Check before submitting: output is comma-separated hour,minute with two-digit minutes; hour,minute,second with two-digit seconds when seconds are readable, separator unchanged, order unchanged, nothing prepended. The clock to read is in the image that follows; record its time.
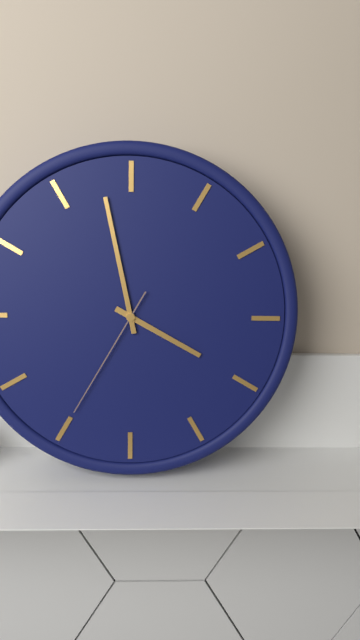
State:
3,58,35
